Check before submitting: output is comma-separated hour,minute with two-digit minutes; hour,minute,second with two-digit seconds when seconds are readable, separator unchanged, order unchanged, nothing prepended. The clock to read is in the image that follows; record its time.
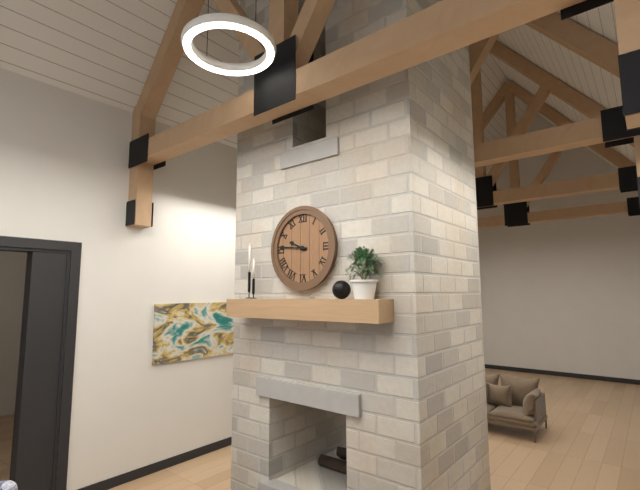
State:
9,46
